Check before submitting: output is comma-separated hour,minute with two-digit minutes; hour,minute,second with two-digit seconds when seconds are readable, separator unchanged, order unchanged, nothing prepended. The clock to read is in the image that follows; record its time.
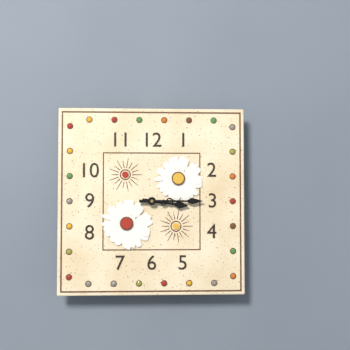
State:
3,15
